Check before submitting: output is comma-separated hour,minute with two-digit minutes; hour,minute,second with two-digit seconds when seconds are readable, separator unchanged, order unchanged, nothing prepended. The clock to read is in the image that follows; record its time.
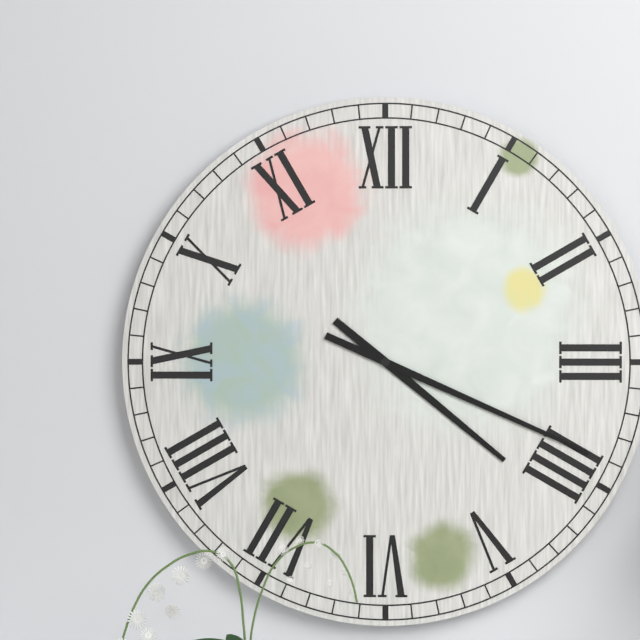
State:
4,19
